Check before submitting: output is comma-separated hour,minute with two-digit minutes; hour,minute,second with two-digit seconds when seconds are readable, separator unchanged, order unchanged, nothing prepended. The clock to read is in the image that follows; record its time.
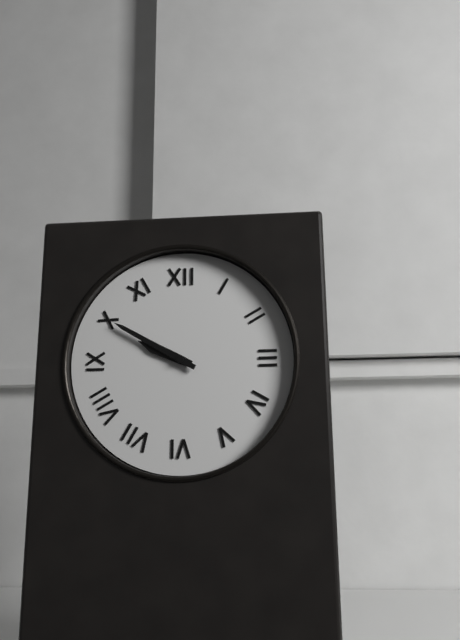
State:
9,50
